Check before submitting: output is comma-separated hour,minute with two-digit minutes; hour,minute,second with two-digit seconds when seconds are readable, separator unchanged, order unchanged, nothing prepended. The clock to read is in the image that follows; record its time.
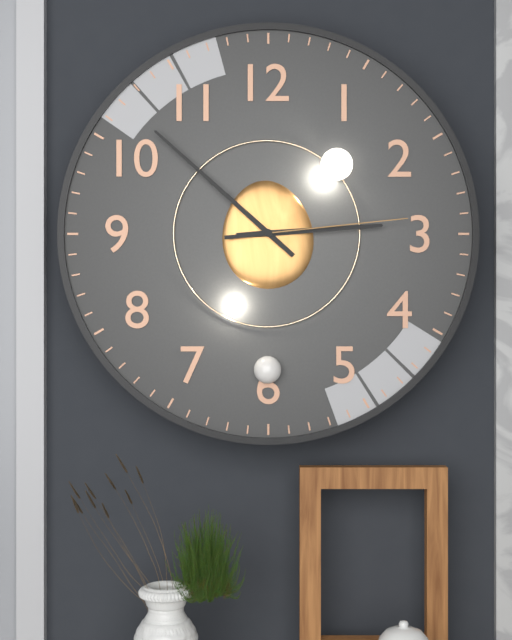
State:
2,52,14
